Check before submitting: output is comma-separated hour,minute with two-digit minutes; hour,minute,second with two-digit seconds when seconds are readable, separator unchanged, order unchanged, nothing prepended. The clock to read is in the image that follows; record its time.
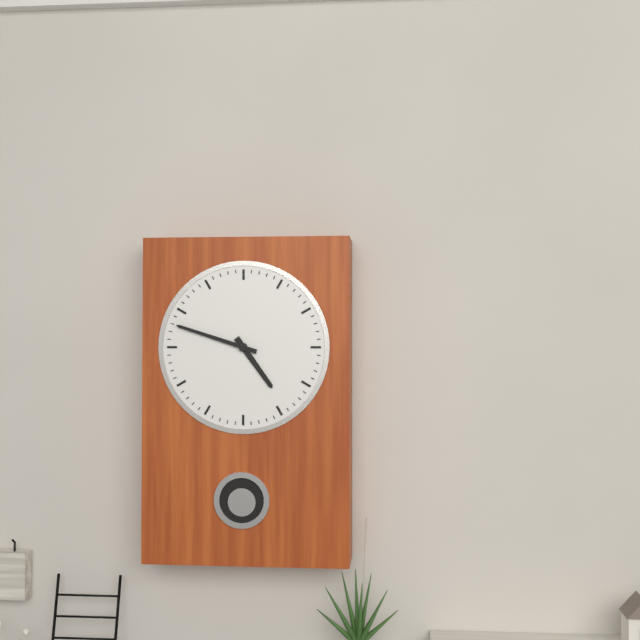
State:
4,48
